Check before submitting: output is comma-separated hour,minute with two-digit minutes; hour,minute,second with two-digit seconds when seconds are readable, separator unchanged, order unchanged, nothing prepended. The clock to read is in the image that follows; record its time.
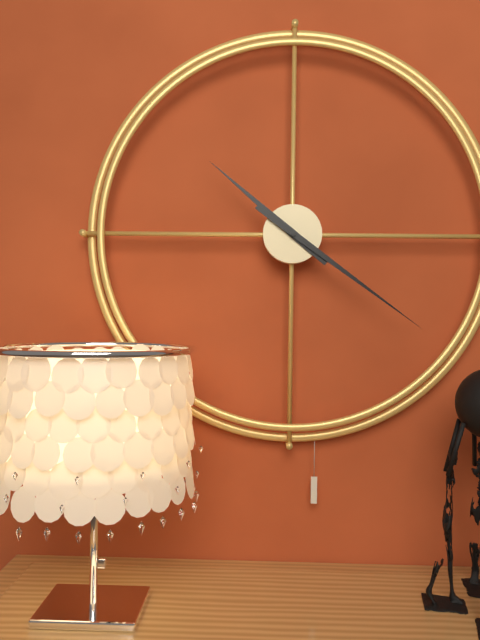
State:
10,21
